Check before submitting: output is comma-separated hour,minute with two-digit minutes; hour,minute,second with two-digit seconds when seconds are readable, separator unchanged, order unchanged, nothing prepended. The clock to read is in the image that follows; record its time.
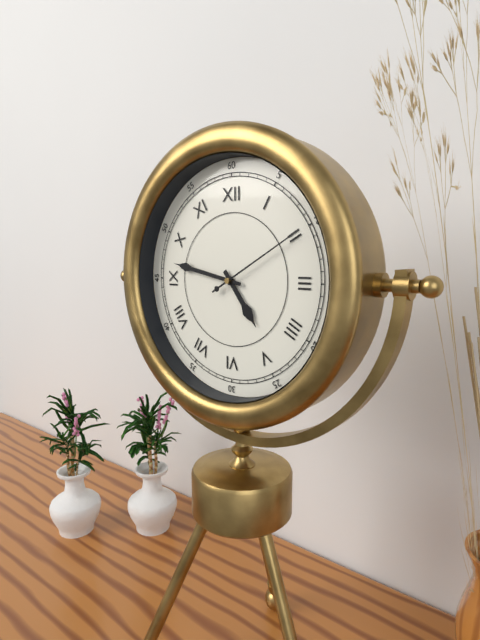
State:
4,47,10
